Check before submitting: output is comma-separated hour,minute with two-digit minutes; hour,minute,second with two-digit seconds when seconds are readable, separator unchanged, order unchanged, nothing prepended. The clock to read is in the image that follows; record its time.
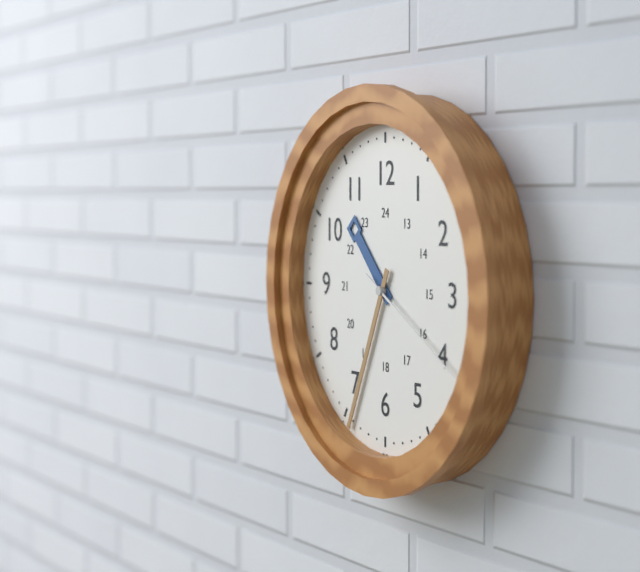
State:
10,34,20
